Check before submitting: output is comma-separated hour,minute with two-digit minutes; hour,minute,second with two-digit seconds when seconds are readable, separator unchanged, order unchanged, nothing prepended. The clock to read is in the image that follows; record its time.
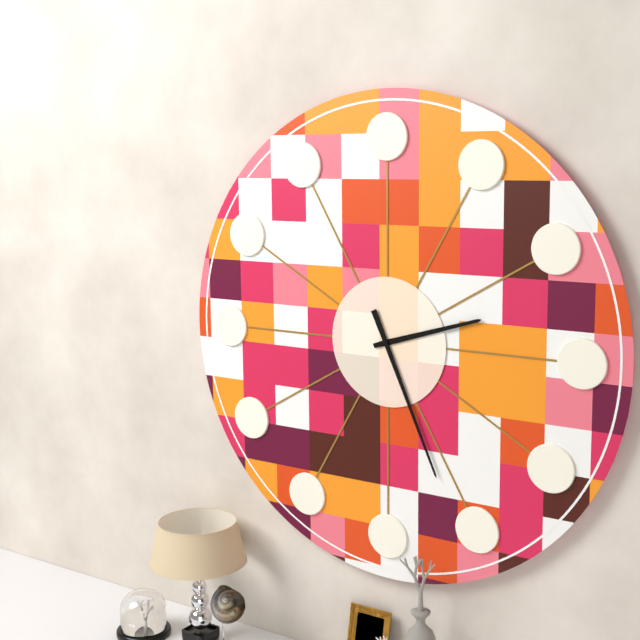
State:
2,26
